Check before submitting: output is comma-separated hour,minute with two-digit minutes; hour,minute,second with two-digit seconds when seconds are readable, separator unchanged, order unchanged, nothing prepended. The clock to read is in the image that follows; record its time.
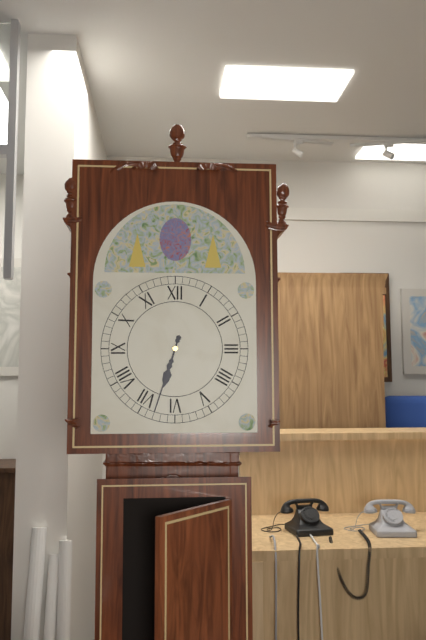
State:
6,33
